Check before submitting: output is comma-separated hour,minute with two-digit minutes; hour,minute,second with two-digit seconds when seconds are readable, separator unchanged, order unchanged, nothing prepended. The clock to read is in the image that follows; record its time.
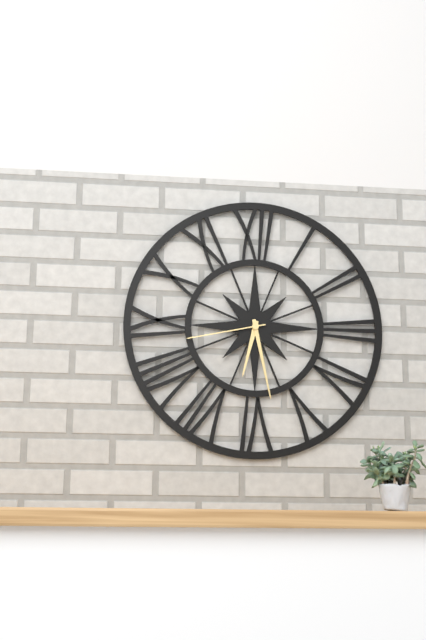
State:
6,28,43
